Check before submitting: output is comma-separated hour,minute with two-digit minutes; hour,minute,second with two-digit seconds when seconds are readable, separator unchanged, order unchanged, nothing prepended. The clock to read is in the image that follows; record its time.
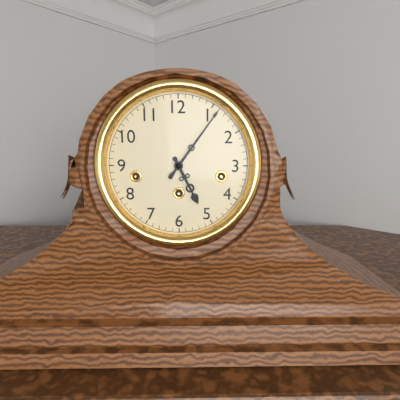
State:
5,06
